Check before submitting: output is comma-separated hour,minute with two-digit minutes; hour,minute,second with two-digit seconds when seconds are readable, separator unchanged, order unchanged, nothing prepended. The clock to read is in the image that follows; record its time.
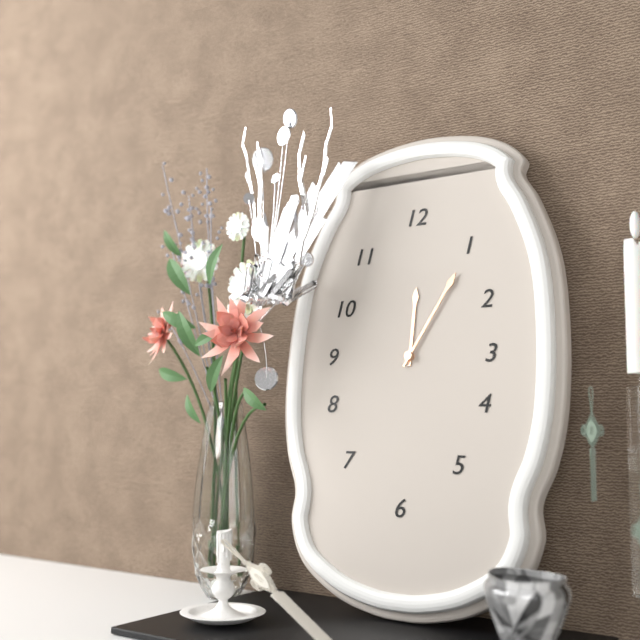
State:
12,05
